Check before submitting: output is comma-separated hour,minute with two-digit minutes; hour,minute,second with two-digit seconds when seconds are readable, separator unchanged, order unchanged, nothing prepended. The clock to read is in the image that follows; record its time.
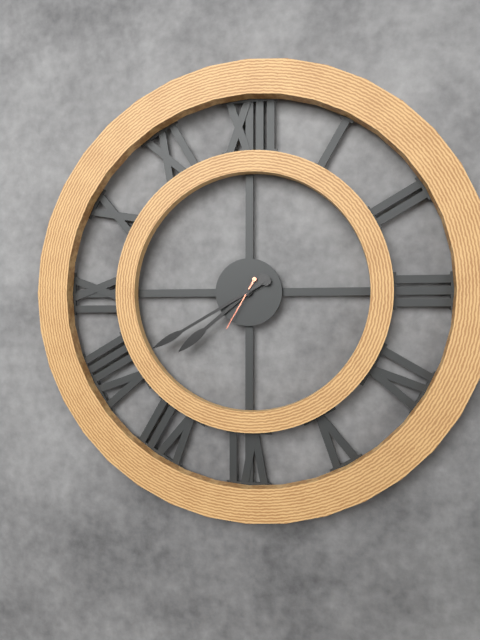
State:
7,40,35
